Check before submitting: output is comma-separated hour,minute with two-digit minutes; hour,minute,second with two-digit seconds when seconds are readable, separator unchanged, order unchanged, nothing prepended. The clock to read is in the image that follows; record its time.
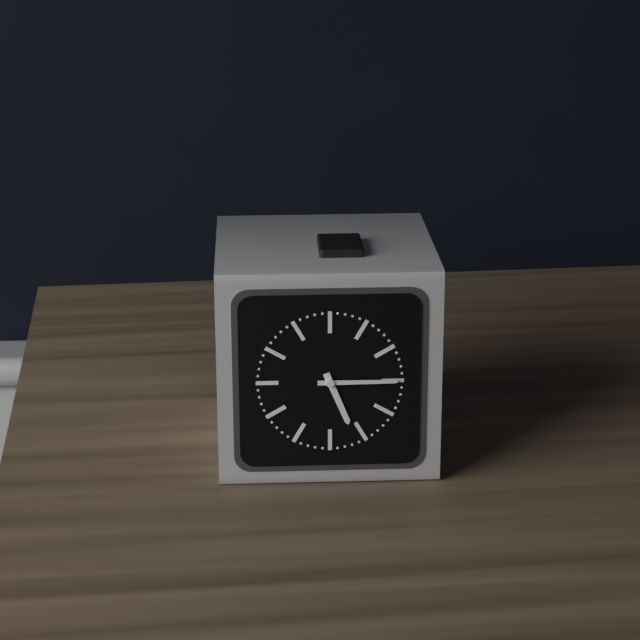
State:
5,15
